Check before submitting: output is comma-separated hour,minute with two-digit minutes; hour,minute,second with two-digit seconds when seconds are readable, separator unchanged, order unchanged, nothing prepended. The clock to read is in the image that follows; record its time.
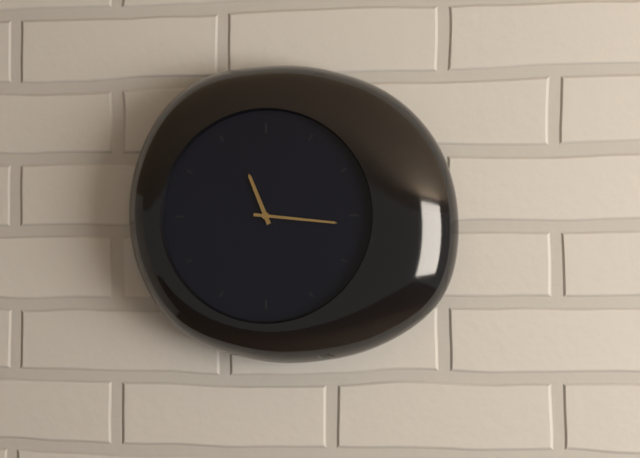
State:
11,16
